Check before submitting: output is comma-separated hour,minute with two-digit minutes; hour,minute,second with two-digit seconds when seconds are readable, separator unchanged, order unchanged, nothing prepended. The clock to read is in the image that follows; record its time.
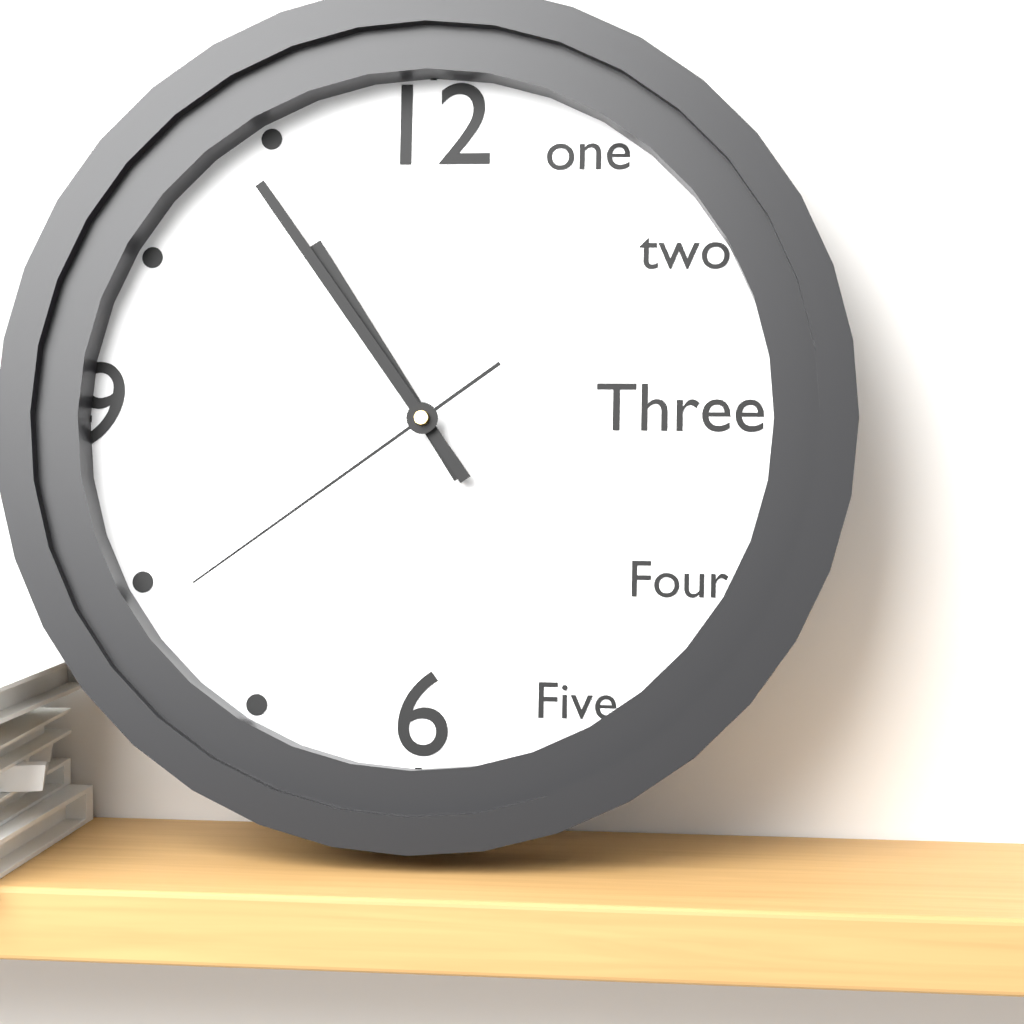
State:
10,54,39
